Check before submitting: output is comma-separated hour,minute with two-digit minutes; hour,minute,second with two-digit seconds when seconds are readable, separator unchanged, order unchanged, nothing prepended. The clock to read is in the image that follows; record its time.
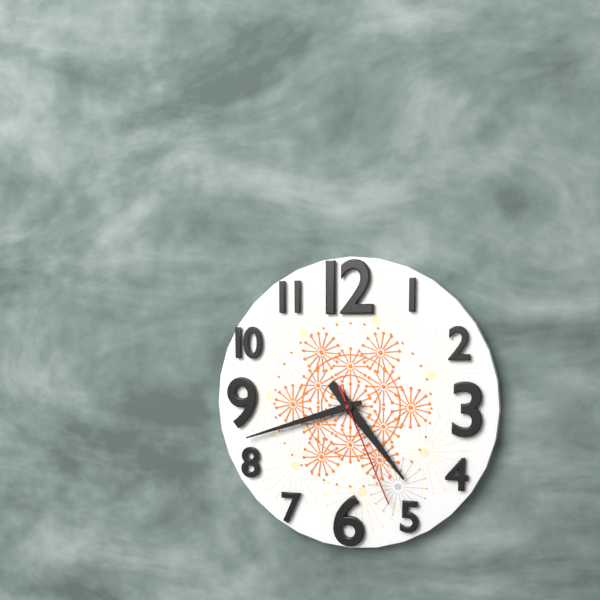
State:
4,42,26
